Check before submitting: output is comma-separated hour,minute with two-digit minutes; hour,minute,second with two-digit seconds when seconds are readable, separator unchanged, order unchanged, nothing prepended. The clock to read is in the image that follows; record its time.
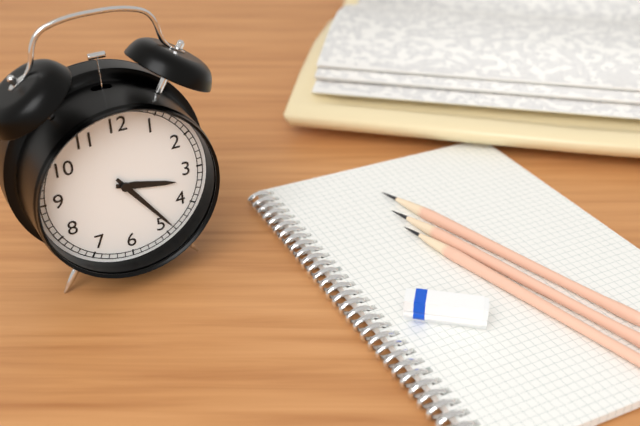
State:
3,24
